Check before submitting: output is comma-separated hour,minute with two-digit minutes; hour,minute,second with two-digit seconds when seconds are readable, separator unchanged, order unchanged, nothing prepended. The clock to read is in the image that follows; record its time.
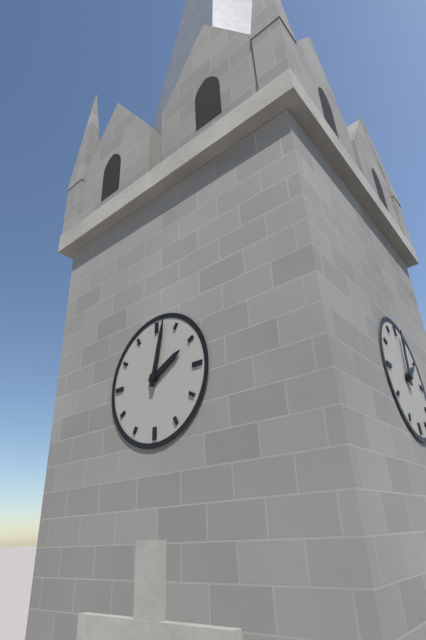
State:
2,02
